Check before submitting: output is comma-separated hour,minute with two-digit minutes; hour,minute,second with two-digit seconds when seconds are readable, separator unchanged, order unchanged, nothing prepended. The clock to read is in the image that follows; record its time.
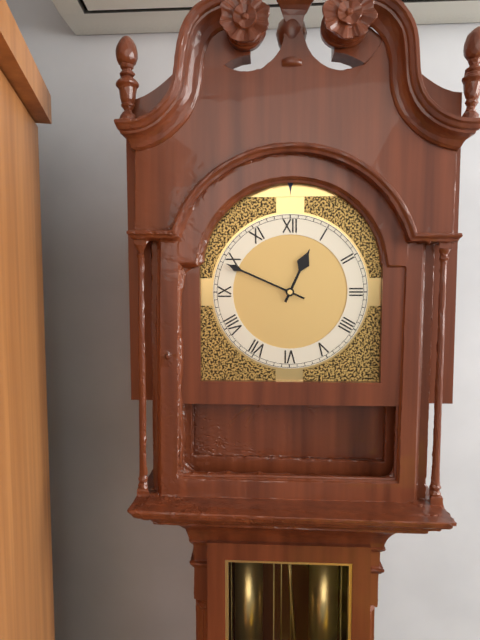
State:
12,49
